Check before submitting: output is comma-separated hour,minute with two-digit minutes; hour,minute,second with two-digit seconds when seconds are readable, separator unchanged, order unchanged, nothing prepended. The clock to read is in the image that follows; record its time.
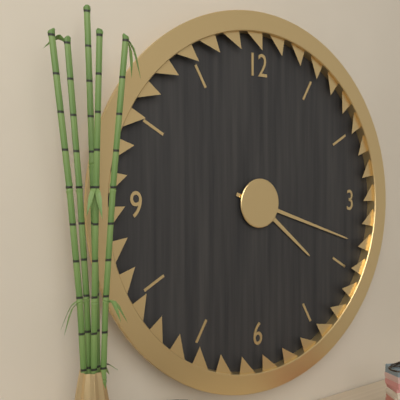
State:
4,18
